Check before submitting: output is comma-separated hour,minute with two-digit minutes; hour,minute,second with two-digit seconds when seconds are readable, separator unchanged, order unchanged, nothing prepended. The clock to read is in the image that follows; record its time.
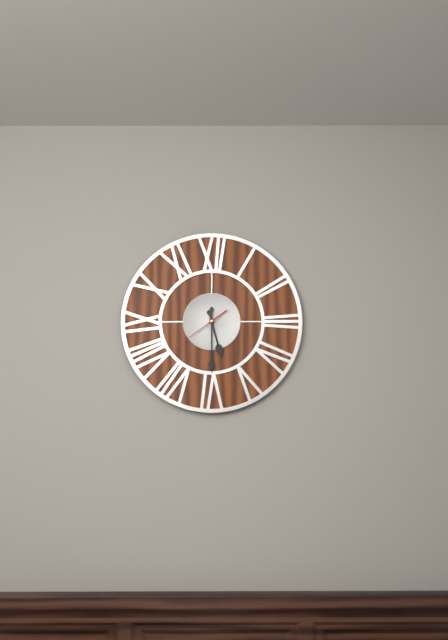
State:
5,30,39
